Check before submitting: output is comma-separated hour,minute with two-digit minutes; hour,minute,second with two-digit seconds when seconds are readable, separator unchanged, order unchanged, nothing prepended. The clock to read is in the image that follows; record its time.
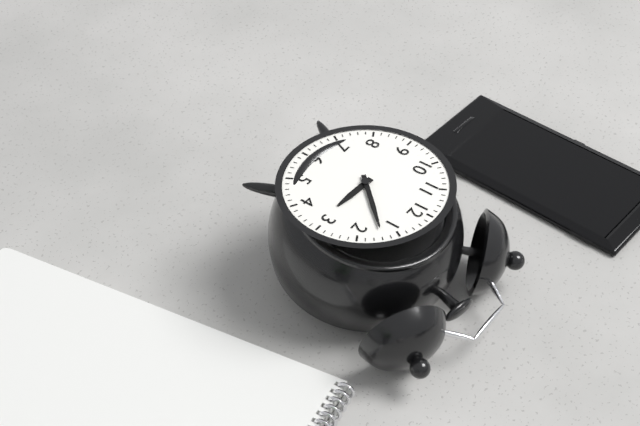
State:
3,07
